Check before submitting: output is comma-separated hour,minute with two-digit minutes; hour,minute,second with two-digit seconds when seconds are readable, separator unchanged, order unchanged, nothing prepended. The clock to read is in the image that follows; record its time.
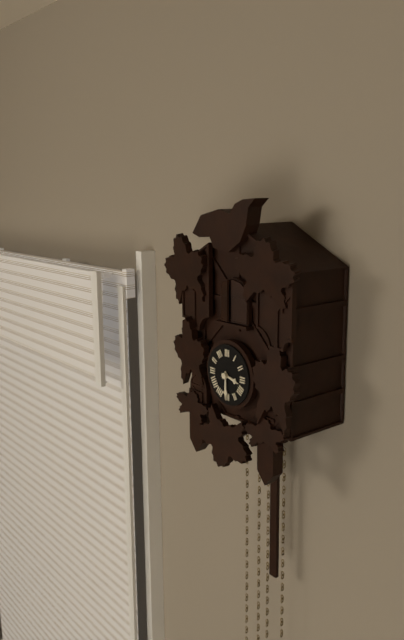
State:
3,30
